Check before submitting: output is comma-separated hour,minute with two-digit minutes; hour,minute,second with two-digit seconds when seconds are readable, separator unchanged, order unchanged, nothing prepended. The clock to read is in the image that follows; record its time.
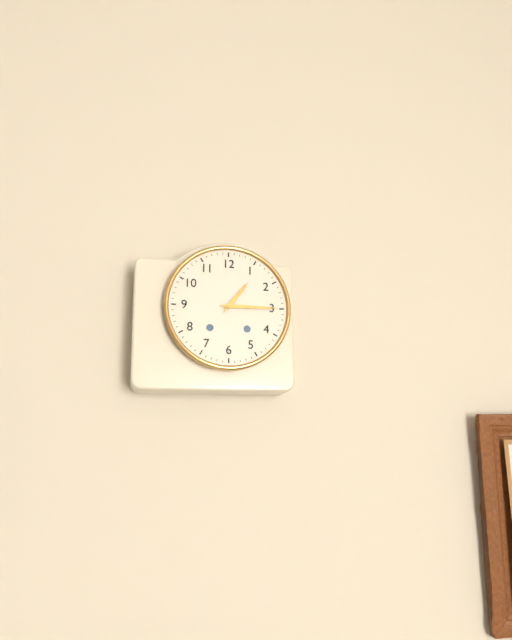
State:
1,15
